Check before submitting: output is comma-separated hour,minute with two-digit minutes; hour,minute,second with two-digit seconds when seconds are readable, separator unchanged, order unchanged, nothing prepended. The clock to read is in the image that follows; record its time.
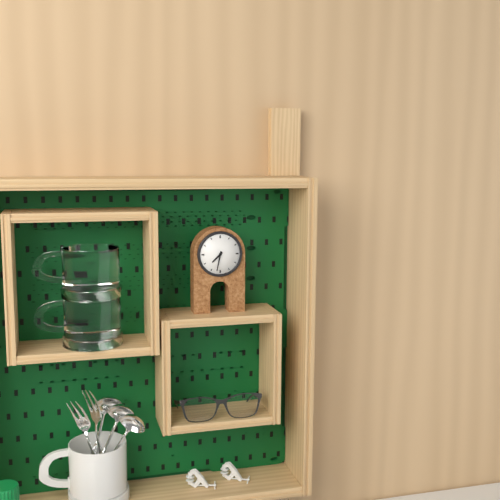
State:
7,32
